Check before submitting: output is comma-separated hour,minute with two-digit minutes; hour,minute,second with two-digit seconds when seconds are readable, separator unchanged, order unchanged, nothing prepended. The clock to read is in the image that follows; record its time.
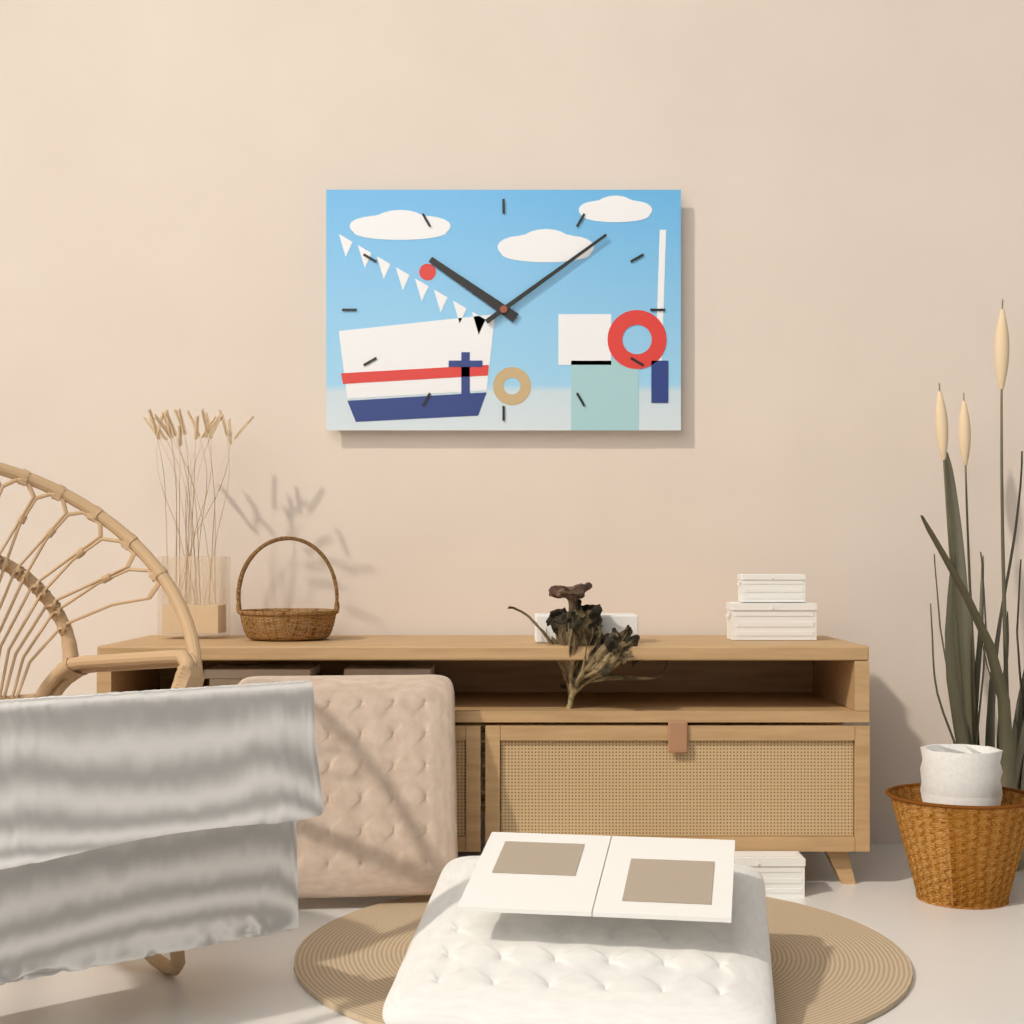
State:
10,09
